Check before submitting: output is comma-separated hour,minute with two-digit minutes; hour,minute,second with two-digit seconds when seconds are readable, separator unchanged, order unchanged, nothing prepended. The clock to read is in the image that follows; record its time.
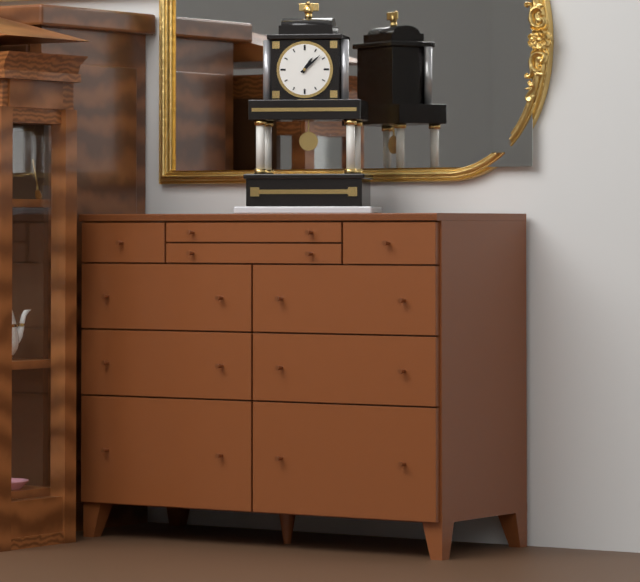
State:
1,08
